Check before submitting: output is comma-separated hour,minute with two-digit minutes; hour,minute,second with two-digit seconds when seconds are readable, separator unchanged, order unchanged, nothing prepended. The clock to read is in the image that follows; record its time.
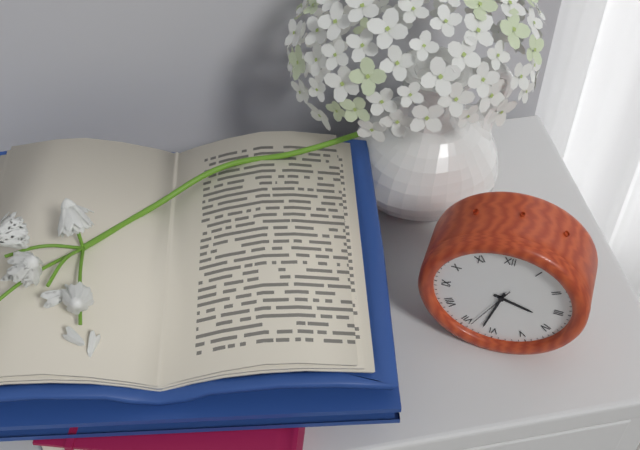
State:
3,32,34
